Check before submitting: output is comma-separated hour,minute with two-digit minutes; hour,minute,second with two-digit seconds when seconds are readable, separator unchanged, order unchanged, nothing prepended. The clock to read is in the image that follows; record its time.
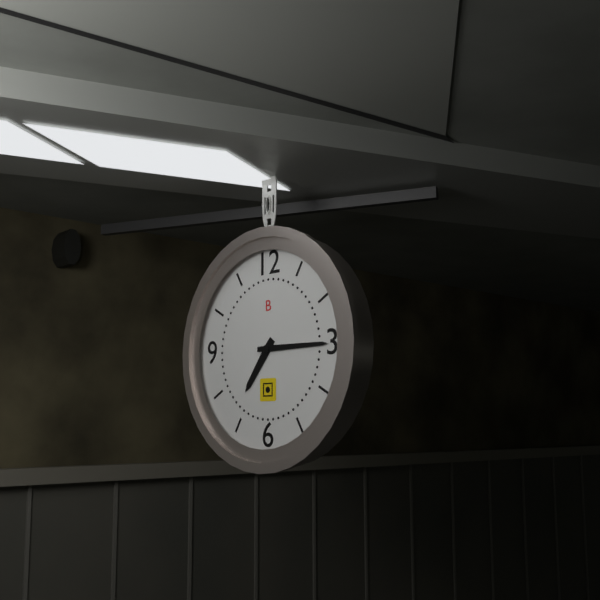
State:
7,15
